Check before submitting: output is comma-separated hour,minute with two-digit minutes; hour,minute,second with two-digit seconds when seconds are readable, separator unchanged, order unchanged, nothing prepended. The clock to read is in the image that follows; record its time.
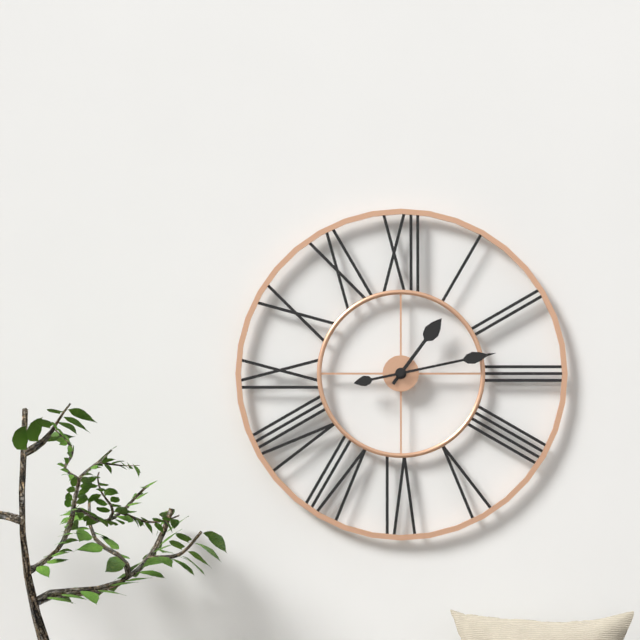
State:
1,13
